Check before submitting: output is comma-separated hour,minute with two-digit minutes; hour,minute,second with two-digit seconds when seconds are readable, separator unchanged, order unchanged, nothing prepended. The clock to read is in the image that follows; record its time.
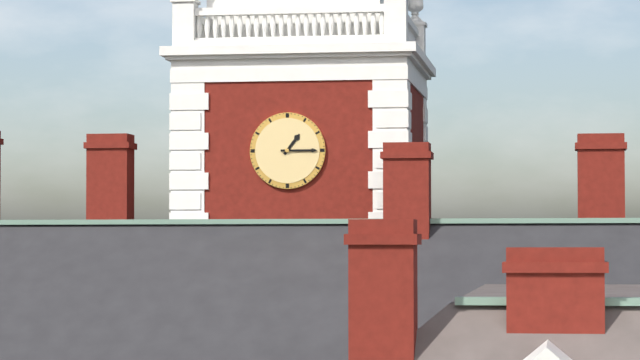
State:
1,15
